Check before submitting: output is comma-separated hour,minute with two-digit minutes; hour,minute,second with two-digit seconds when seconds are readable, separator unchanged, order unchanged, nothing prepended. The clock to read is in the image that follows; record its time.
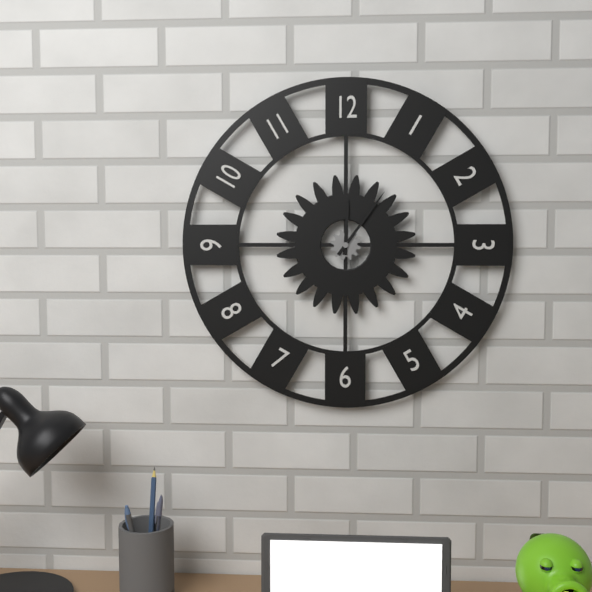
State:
12,06
